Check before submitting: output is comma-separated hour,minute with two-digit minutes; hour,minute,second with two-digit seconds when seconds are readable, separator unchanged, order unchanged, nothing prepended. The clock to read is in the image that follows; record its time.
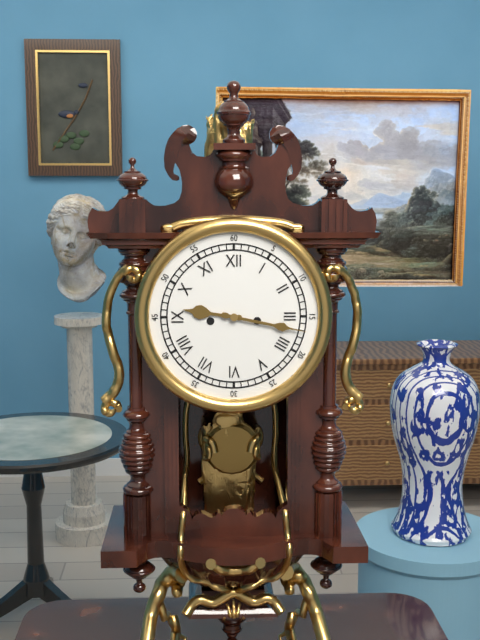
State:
9,17
